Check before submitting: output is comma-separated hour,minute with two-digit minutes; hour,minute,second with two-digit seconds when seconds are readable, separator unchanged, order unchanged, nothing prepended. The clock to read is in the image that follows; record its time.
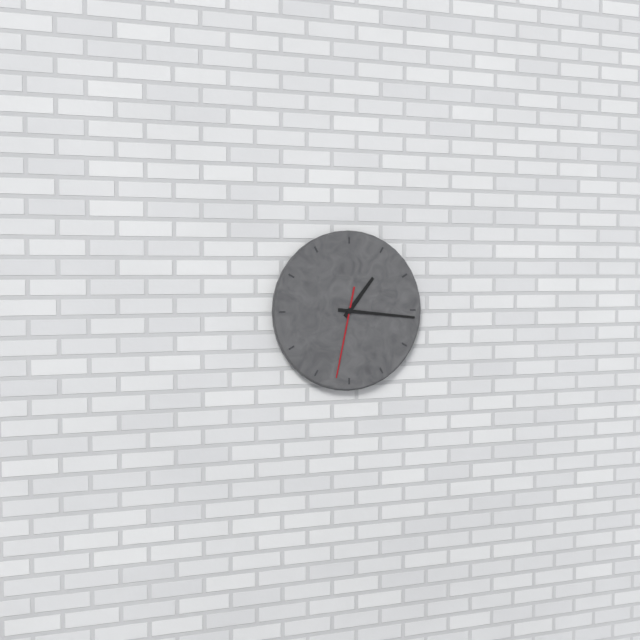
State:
1,16,32
